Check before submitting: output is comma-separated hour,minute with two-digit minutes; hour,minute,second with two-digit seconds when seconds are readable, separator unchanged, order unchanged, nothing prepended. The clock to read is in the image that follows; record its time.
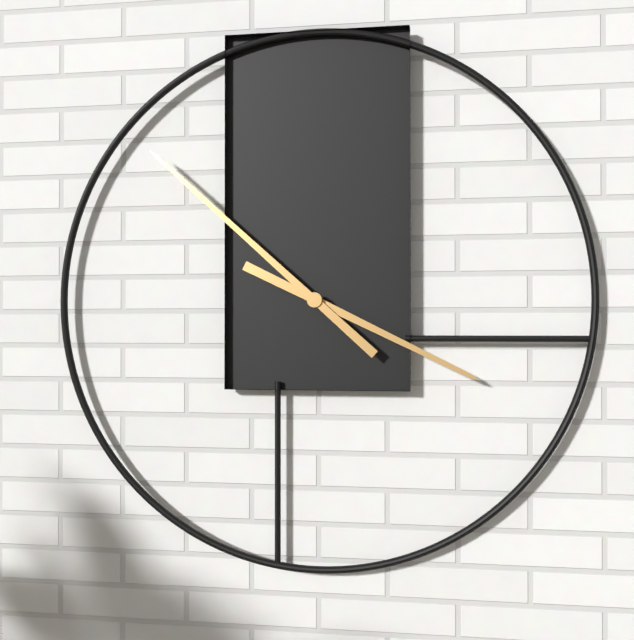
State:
3,52
